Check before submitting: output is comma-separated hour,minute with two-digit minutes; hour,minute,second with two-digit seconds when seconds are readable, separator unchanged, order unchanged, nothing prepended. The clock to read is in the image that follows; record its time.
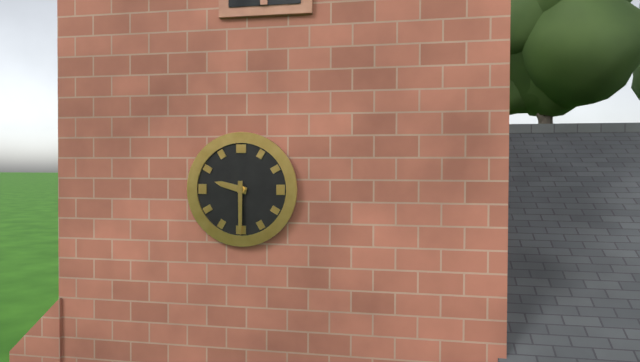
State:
9,30
